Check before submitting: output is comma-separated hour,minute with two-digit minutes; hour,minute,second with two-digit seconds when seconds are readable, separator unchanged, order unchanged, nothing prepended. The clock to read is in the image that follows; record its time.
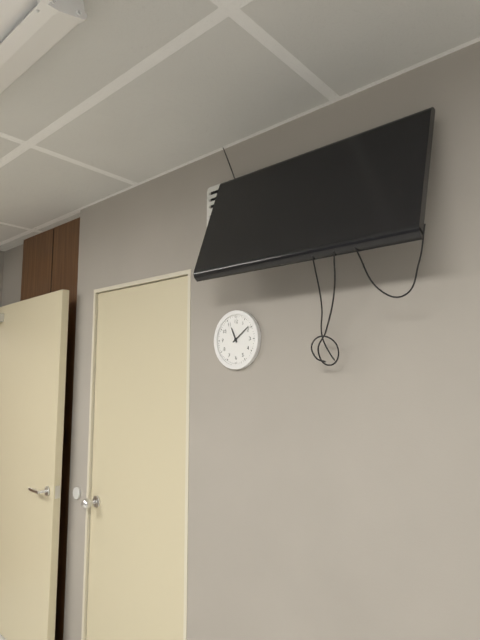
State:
11,09
